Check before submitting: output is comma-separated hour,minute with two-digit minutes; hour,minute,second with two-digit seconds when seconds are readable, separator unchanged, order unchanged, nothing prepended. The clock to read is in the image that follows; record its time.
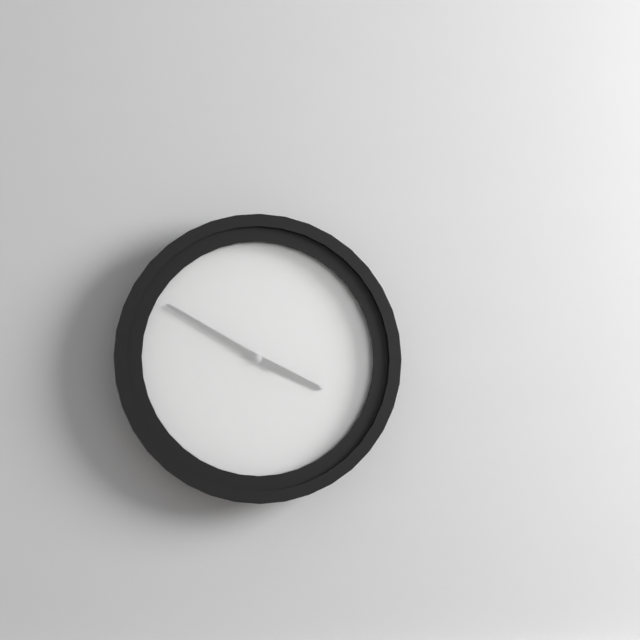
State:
3,50
